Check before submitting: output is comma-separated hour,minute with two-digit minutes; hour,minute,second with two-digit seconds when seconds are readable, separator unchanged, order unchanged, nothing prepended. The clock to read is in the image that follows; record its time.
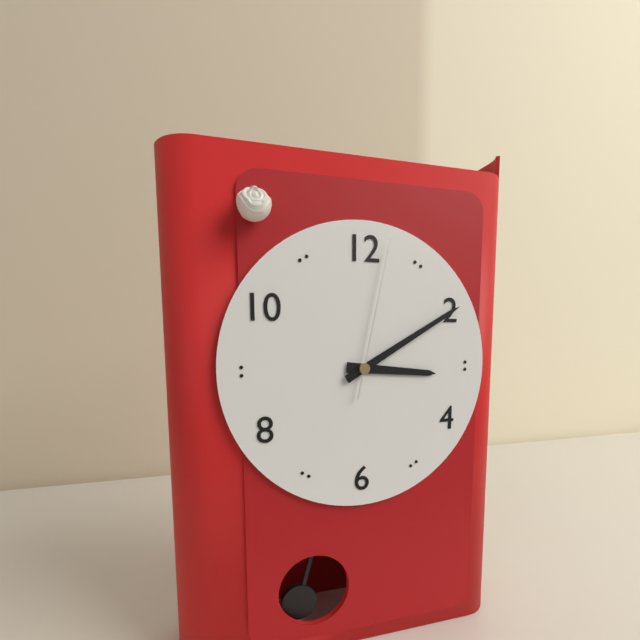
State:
3,10,02
